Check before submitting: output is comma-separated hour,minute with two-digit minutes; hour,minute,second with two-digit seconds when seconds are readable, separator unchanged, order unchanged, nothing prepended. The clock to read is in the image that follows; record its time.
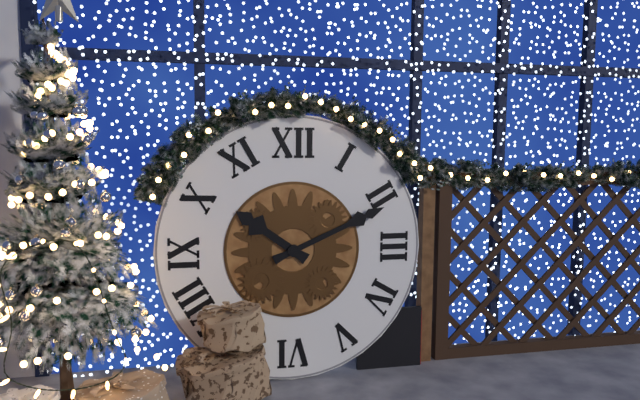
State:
10,11
